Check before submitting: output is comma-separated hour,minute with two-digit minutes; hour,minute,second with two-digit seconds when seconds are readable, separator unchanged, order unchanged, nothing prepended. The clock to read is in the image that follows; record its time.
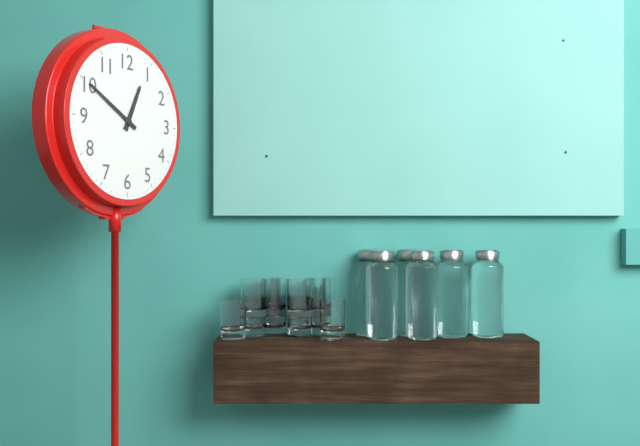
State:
12,50
